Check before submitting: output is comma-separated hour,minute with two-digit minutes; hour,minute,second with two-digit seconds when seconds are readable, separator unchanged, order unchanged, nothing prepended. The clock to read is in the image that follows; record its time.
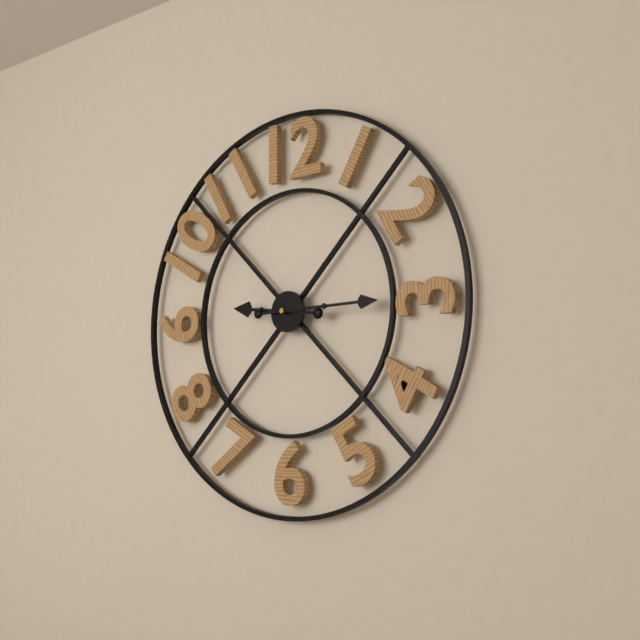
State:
9,15
